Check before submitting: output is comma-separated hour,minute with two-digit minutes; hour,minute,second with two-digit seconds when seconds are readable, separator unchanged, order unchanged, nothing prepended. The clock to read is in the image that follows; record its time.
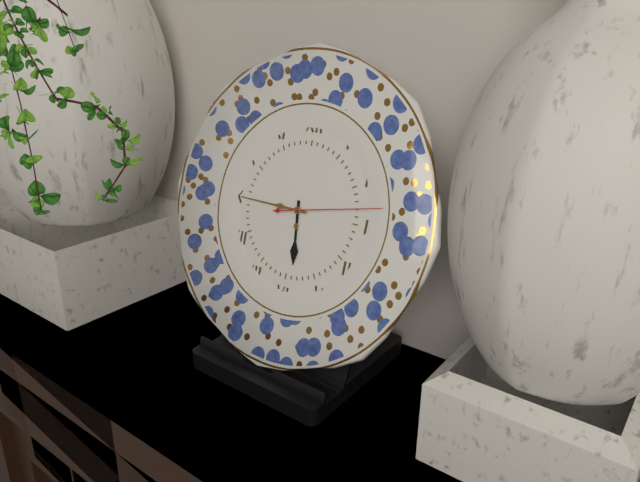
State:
5,45,13
